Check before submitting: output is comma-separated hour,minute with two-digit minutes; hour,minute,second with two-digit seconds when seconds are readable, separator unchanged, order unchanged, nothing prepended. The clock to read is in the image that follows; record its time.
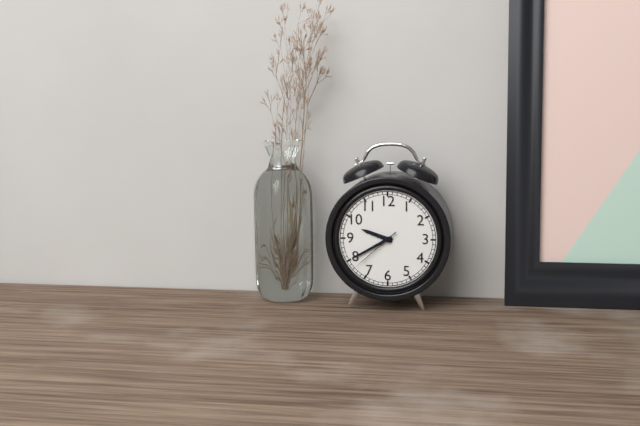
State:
9,40,38
